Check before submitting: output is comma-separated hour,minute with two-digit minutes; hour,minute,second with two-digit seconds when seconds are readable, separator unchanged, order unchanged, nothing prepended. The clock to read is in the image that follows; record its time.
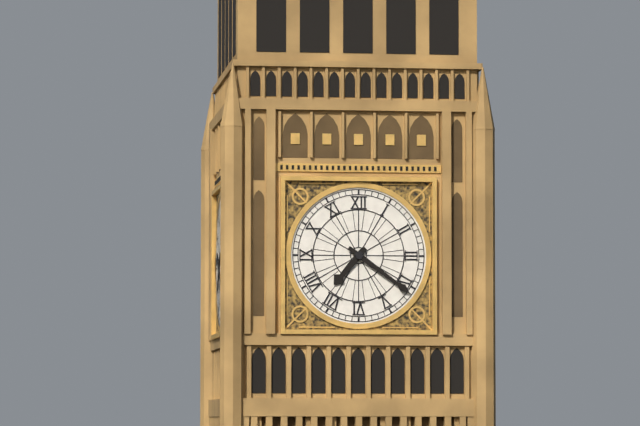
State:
7,21
